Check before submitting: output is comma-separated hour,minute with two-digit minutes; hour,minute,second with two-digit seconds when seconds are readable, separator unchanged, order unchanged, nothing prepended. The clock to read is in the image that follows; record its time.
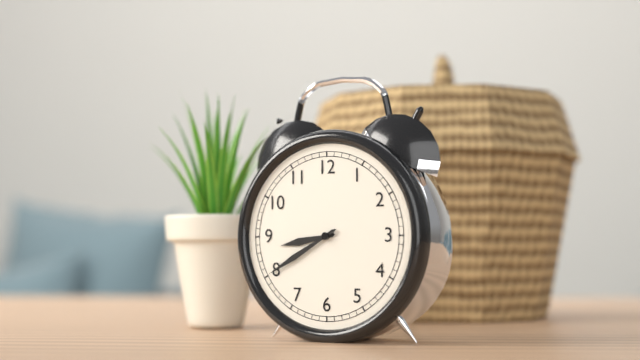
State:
8,40
